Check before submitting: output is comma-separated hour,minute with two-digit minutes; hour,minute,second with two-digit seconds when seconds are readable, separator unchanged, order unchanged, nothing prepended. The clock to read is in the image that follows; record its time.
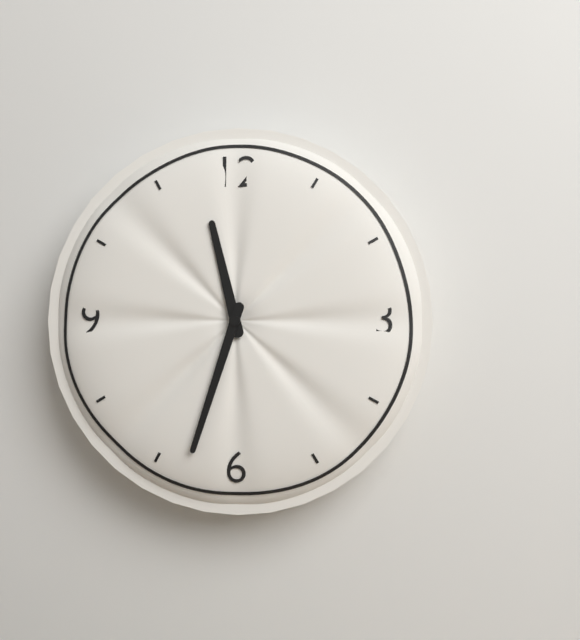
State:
11,33
